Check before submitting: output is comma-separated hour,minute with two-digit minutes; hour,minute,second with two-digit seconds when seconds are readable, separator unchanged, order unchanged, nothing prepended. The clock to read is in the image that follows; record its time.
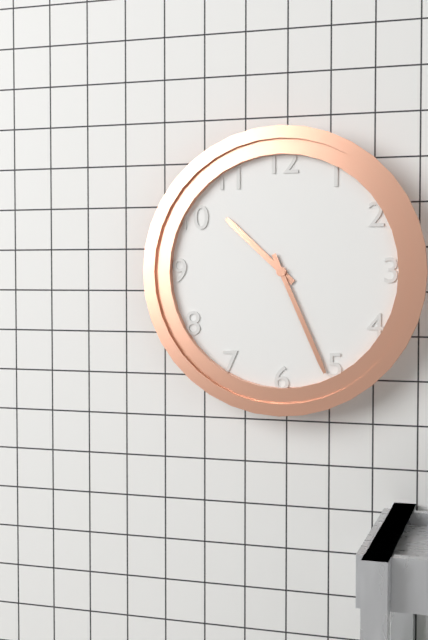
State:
10,26
